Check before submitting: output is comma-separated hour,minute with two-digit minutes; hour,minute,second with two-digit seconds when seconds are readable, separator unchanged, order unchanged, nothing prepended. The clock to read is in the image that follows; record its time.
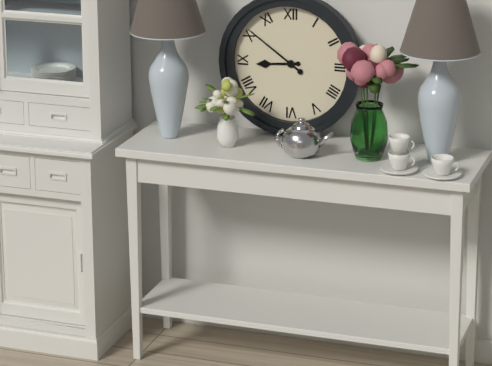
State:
8,51
